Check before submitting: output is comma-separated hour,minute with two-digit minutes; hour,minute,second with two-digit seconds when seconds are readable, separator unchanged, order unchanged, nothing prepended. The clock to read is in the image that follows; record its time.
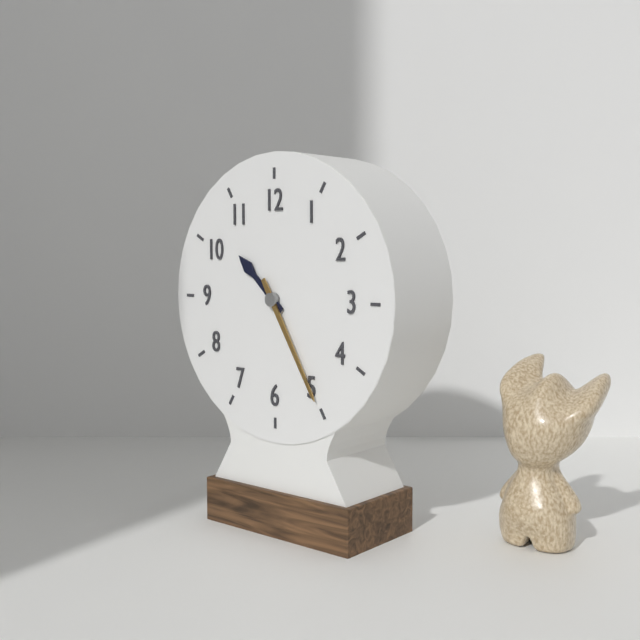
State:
10,25
